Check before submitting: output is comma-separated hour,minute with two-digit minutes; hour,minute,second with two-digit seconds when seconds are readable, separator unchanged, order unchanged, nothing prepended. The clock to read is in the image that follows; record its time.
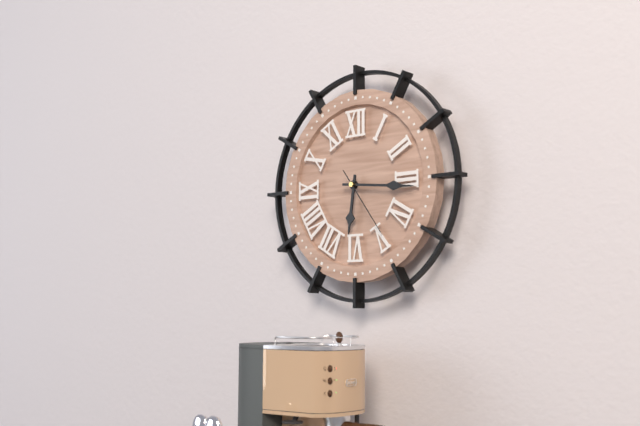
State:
6,16,24
